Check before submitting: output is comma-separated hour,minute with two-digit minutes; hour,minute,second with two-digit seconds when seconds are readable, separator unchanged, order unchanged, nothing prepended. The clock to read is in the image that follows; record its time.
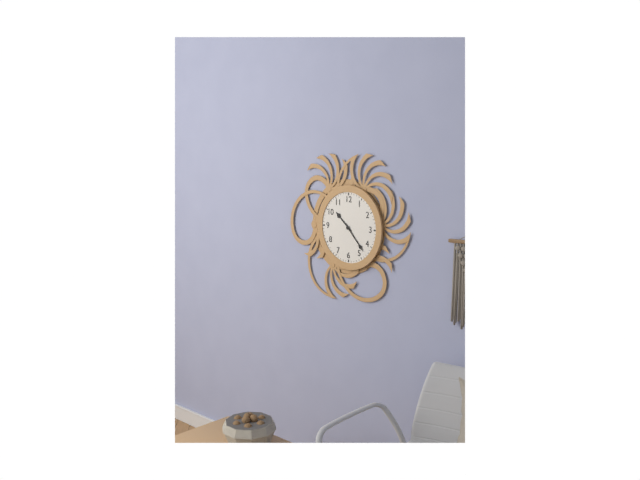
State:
10,23
